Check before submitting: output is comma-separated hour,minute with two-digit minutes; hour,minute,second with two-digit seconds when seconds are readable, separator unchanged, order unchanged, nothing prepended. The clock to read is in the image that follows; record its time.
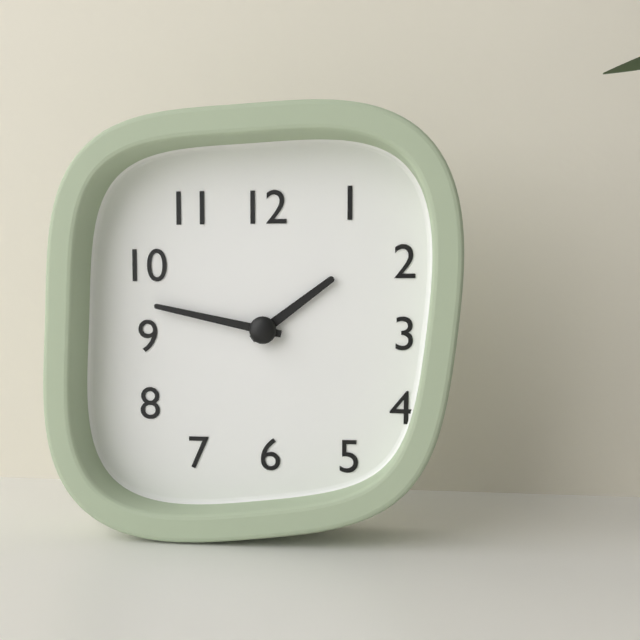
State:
1,47
